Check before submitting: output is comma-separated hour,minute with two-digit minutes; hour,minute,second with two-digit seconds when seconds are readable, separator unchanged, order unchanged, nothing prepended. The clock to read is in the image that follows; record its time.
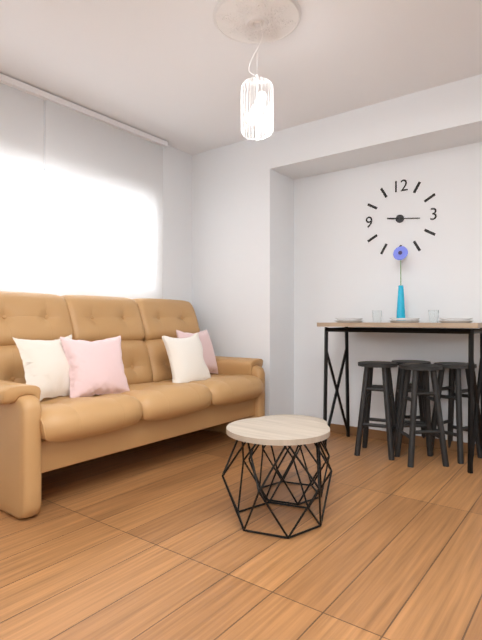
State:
9,16
